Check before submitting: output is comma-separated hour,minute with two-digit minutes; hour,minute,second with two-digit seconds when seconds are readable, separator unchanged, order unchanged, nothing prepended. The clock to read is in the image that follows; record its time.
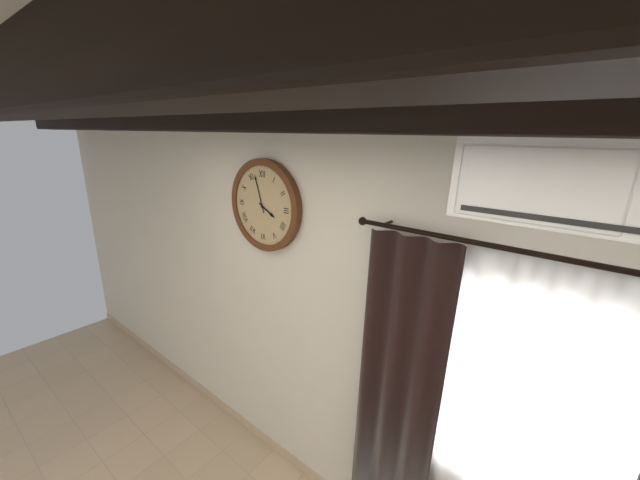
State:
3,57
